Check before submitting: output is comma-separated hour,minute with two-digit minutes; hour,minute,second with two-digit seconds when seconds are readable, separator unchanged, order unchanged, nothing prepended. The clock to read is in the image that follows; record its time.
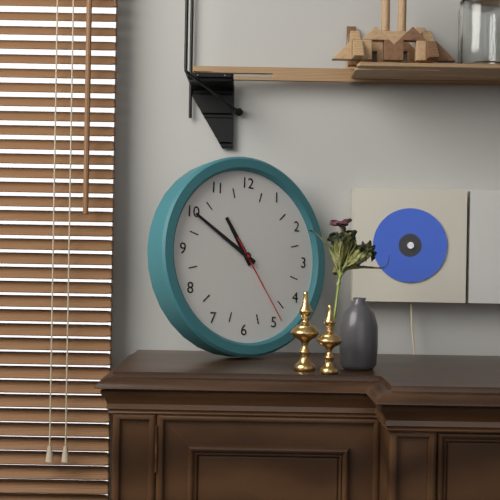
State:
10,50,24
